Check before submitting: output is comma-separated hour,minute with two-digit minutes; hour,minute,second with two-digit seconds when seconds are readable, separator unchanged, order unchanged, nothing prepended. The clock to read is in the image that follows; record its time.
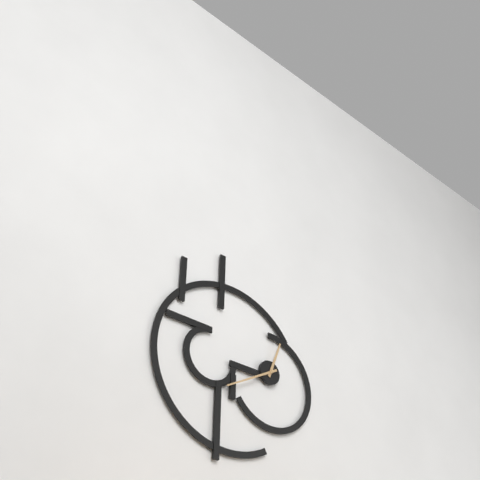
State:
12,40
